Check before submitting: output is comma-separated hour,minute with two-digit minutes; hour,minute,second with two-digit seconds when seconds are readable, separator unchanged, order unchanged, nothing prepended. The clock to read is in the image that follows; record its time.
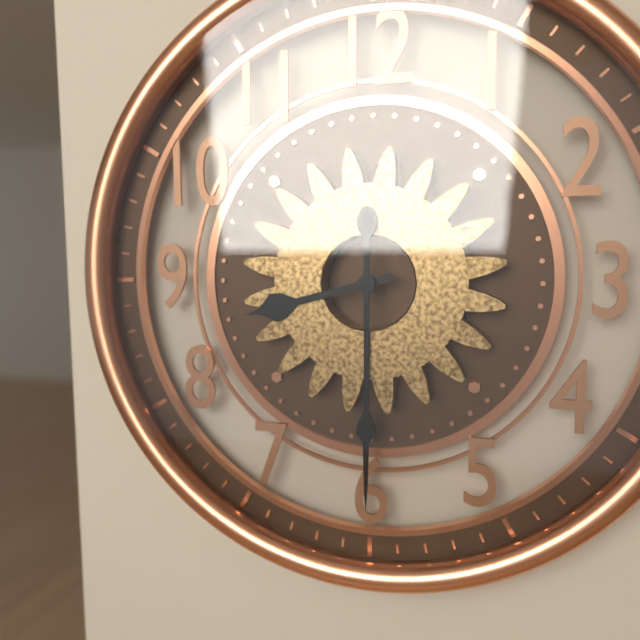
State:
8,30
